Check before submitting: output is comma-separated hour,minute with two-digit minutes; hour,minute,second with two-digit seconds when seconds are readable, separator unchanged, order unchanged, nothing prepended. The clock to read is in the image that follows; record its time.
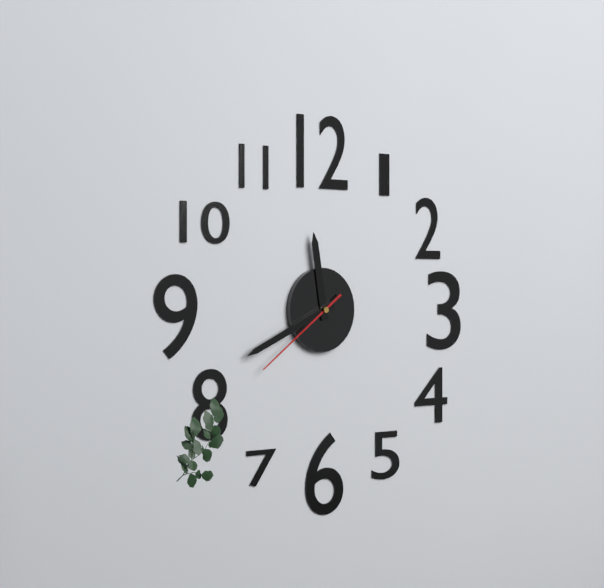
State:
11,41,39
